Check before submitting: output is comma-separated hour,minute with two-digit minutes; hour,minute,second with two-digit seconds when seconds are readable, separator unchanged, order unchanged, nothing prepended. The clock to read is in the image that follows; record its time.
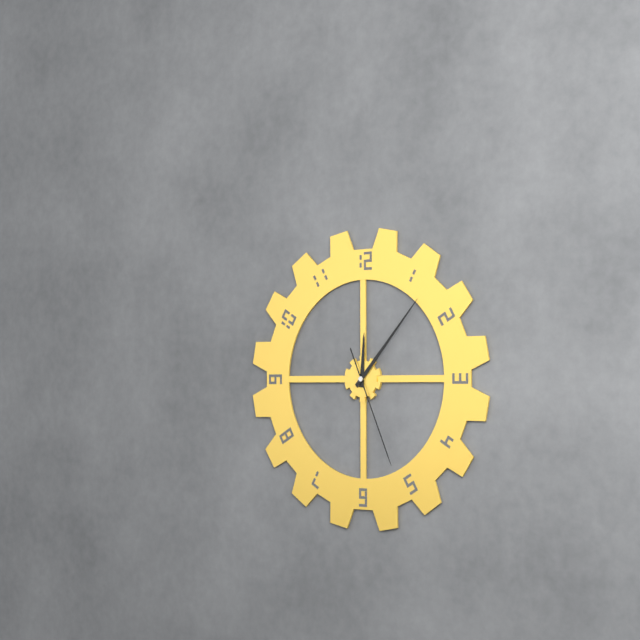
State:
12,07,26
